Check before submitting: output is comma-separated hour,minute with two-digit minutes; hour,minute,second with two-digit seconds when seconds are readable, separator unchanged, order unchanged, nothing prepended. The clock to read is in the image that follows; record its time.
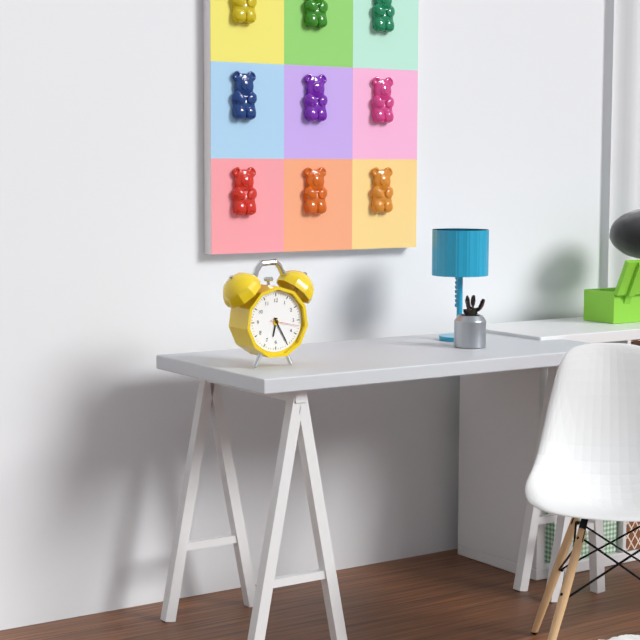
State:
6,25
